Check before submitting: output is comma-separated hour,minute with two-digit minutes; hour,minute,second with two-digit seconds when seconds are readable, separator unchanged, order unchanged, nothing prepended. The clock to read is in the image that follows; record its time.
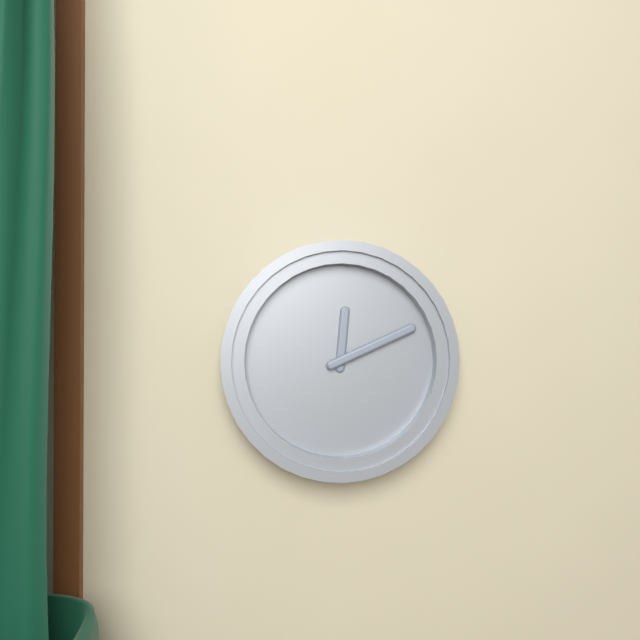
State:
12,11
